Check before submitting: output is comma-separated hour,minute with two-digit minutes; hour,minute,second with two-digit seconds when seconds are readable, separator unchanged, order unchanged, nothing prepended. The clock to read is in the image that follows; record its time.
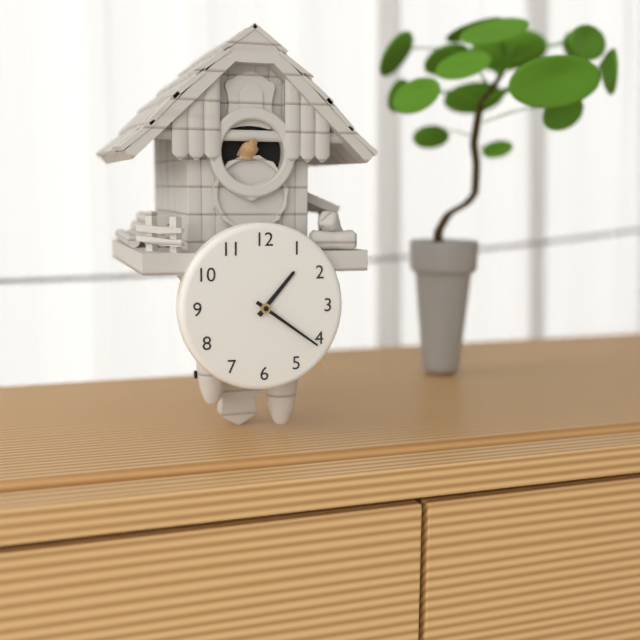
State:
1,21
